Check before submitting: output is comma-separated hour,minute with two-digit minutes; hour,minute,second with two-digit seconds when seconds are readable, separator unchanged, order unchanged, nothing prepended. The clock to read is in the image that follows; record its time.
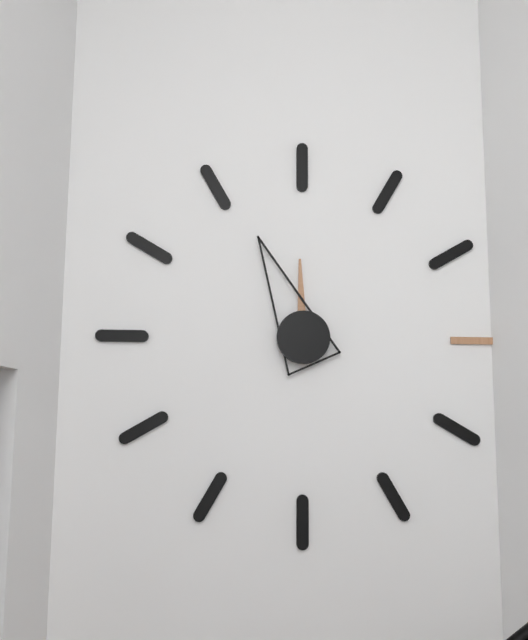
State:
11,56
